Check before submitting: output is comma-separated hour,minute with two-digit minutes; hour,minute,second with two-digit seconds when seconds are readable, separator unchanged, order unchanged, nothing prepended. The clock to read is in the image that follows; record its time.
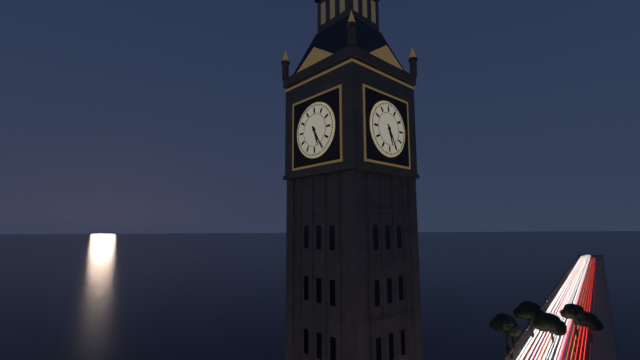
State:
5,25
